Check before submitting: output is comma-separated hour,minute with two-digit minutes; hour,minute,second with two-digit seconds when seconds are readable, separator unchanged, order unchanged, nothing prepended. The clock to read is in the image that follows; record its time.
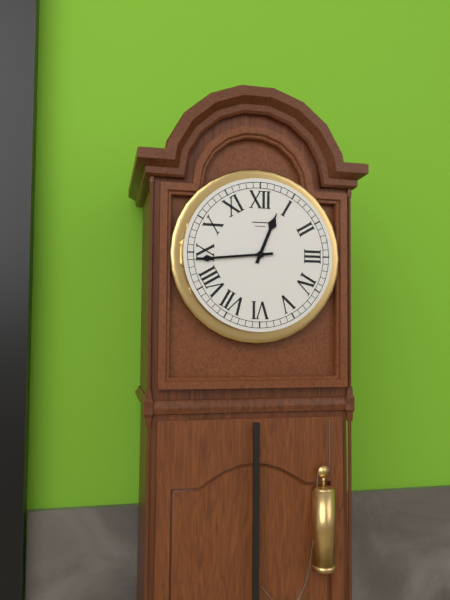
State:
12,44
